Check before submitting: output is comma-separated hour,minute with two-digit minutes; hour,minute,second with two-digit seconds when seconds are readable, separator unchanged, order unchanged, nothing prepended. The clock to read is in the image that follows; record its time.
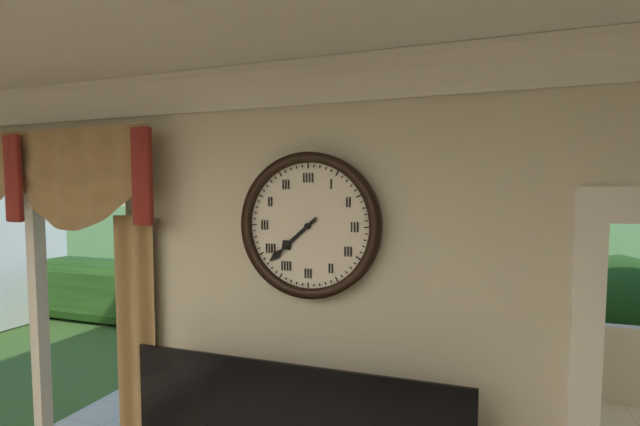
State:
7,38
